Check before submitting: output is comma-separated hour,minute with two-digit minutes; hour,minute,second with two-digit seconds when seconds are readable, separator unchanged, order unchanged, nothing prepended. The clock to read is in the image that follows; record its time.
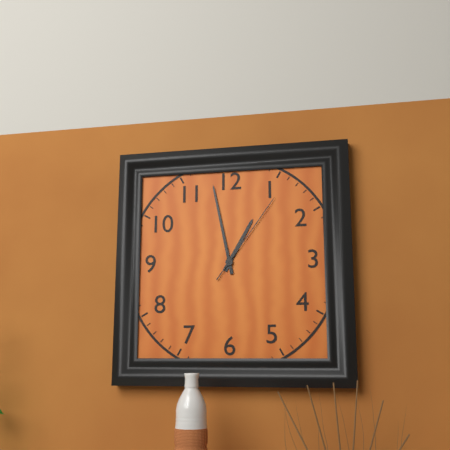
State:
12,58,06
